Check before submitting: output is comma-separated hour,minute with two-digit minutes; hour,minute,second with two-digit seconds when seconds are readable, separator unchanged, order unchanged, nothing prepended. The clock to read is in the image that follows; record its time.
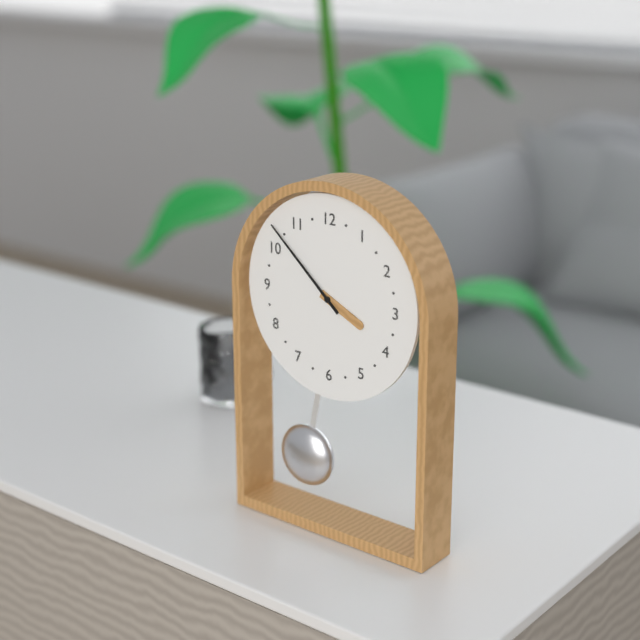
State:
3,52
